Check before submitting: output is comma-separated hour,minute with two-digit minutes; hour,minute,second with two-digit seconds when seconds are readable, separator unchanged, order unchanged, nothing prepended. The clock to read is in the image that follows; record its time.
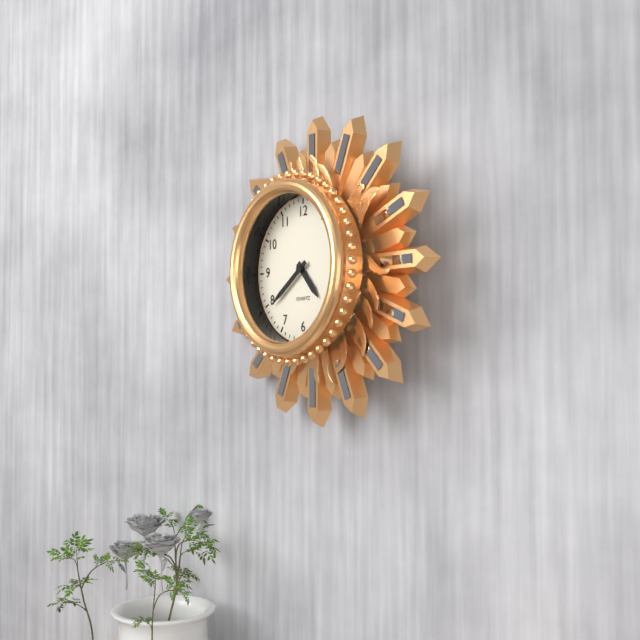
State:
4,39
